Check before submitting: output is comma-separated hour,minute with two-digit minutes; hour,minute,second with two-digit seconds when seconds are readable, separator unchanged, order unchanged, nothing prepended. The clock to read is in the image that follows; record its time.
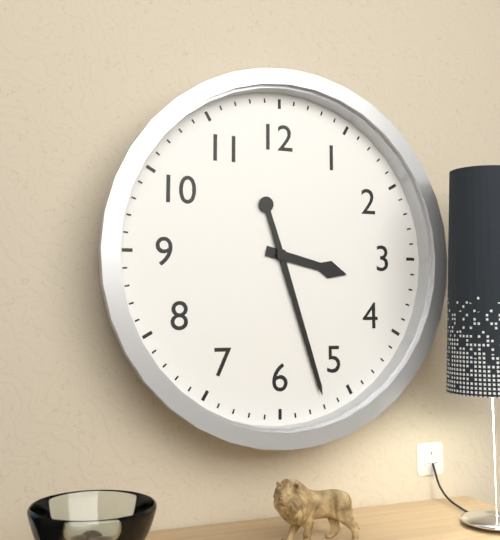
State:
3,27
